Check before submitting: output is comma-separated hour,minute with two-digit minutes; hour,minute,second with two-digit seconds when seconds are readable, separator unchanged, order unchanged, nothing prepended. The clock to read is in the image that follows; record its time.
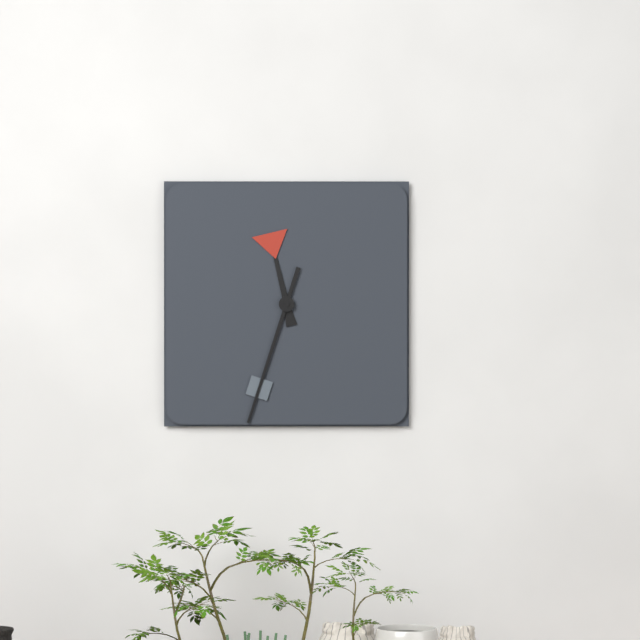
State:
11,33
